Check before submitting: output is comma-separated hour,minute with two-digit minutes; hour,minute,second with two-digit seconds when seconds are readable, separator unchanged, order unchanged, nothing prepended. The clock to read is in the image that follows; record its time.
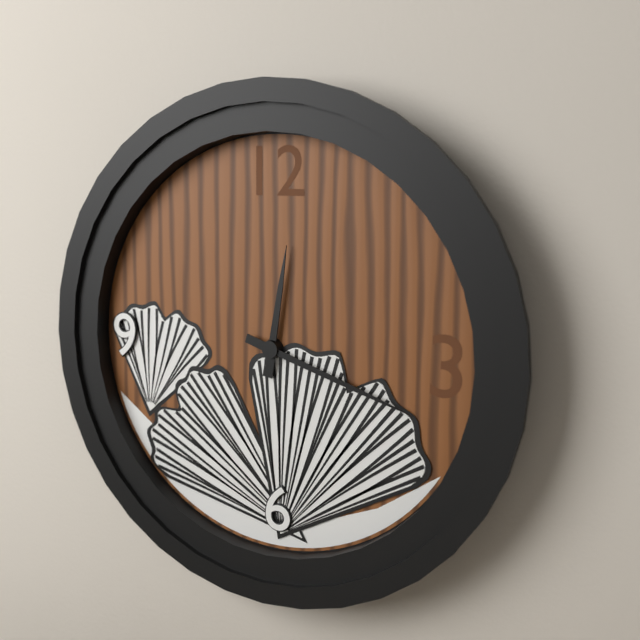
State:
12,18
